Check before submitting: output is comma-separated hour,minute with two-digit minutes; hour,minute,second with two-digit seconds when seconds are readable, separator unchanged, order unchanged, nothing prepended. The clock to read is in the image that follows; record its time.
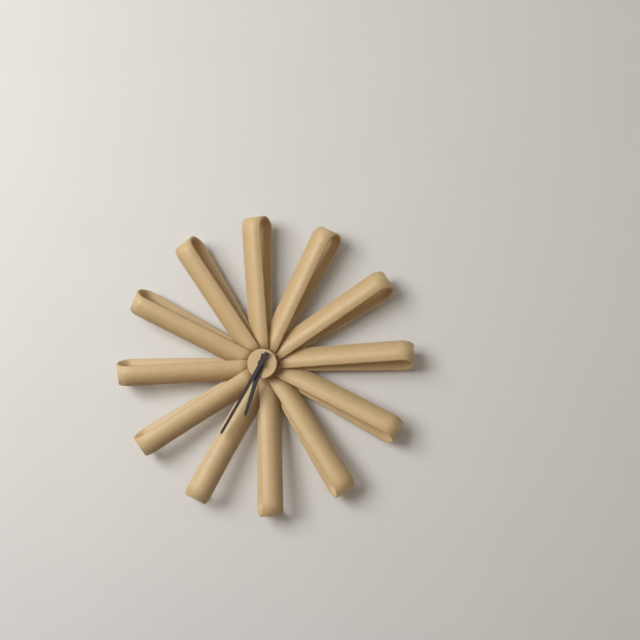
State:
6,35
